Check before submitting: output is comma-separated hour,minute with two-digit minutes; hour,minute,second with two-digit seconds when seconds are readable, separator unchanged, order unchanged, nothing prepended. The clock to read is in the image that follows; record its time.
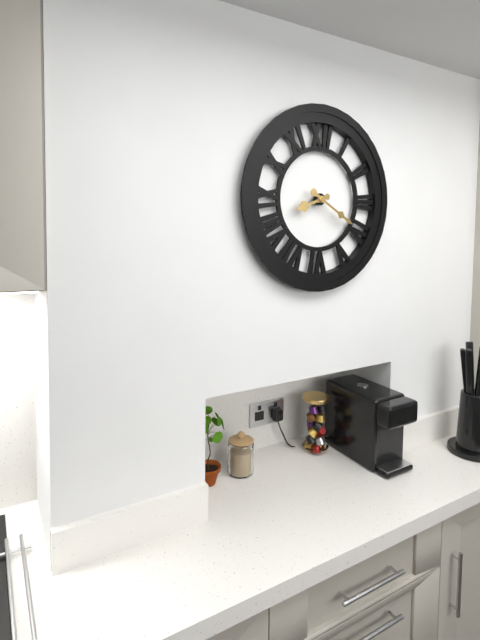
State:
8,20
